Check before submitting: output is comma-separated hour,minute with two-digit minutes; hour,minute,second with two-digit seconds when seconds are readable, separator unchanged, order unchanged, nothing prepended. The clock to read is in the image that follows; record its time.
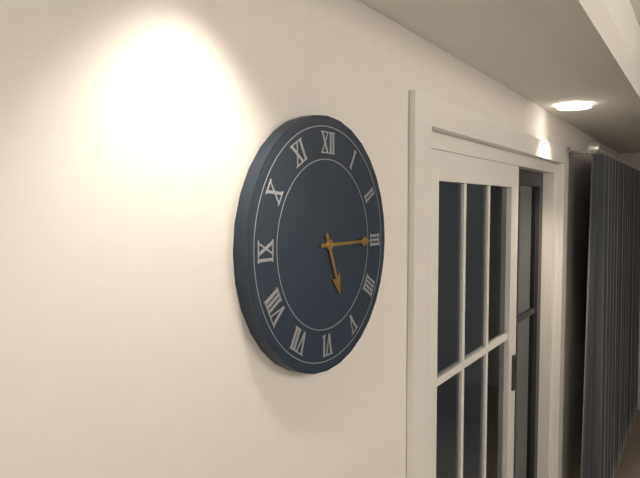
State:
5,15
